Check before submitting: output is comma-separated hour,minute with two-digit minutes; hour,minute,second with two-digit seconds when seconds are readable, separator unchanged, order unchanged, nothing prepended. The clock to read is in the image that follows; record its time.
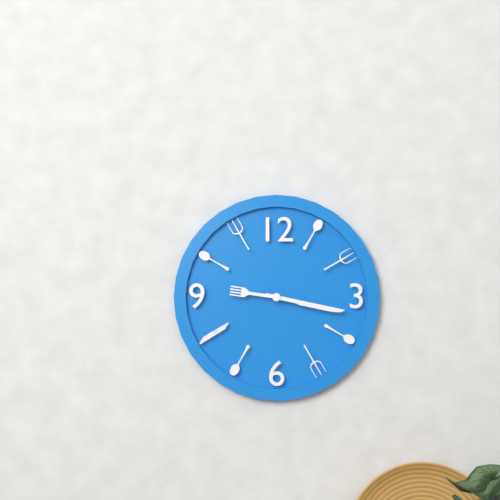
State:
9,17
